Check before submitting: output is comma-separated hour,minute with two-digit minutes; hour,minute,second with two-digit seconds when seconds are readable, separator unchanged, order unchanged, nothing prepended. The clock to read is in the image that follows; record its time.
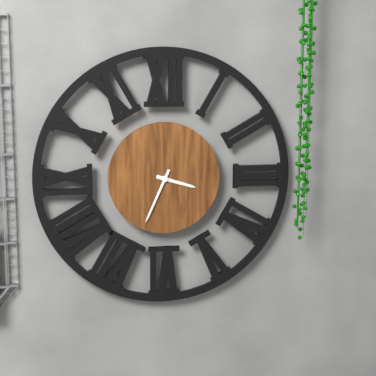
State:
3,34
